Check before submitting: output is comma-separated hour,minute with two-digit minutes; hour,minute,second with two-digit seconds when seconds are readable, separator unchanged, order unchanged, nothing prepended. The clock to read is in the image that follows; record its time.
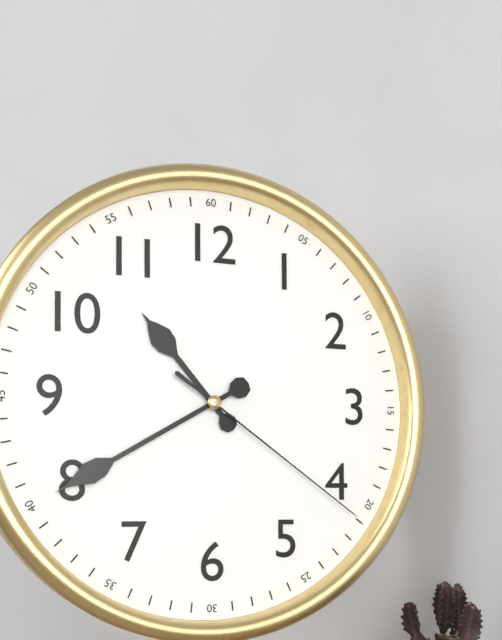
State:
10,40,21
